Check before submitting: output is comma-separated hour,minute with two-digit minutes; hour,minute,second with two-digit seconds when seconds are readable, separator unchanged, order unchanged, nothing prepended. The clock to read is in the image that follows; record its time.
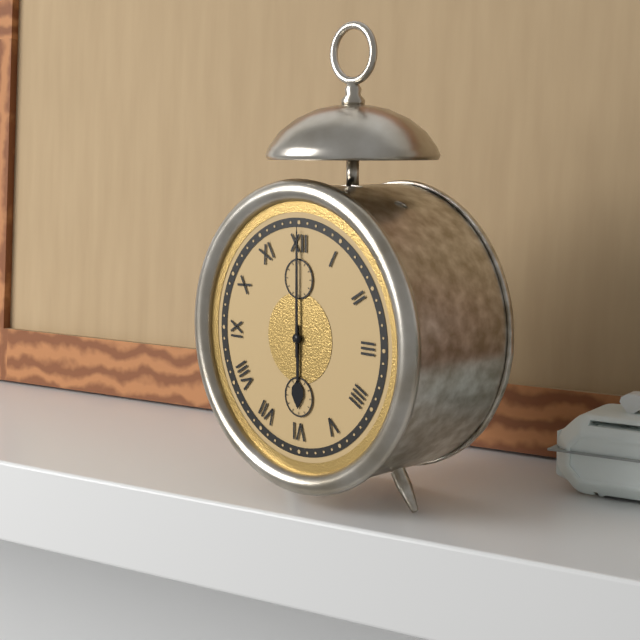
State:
6,00
